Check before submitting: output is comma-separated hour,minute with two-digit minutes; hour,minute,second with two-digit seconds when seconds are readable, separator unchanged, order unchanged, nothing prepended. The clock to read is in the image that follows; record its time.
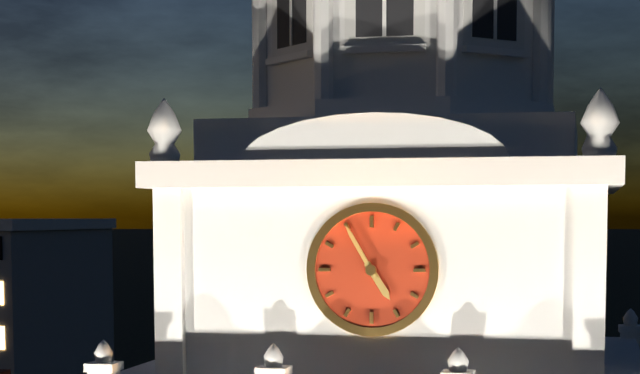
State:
4,55
